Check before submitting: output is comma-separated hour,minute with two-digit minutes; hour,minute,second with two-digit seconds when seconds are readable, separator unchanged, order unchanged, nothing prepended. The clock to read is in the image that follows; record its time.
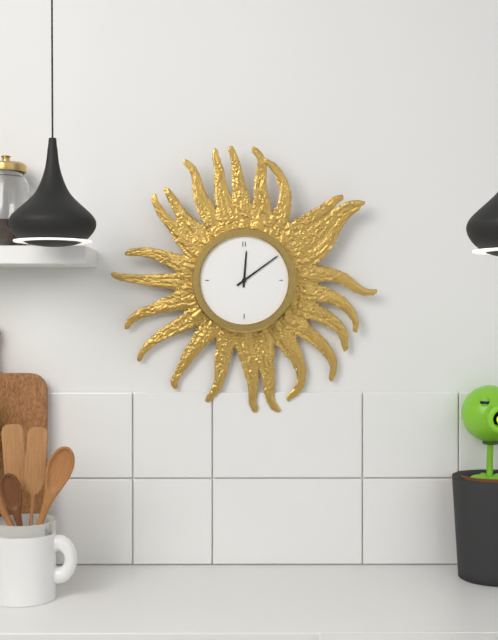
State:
12,09
